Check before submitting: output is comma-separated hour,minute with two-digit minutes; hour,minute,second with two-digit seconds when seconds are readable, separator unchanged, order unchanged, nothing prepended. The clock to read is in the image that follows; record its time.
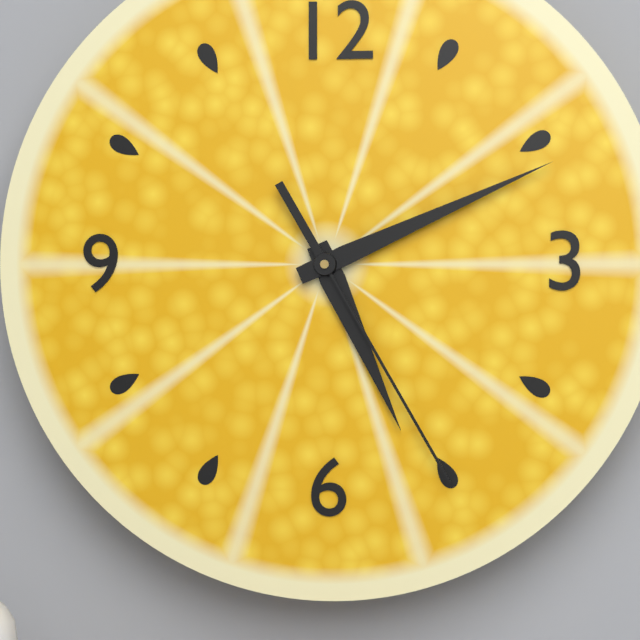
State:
5,11,25
